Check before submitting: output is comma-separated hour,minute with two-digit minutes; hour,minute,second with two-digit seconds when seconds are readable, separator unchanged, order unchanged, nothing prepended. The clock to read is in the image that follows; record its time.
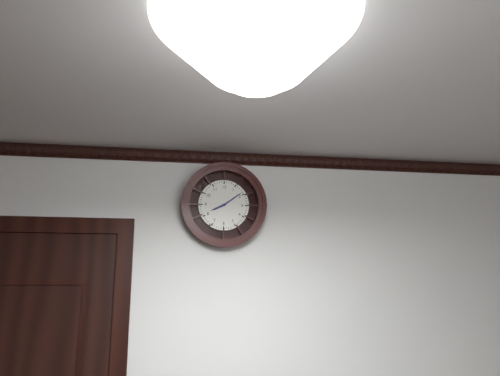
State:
8,09
